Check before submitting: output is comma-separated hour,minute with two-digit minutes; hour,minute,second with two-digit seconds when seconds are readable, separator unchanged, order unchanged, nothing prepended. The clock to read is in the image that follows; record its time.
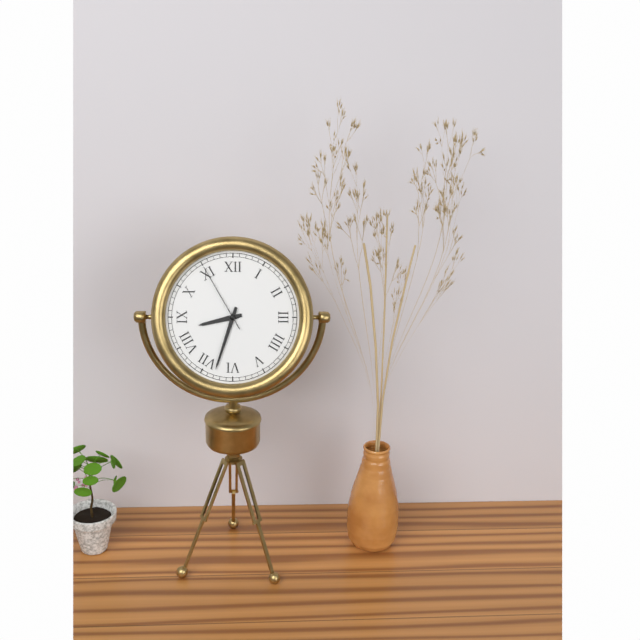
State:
8,33,55
